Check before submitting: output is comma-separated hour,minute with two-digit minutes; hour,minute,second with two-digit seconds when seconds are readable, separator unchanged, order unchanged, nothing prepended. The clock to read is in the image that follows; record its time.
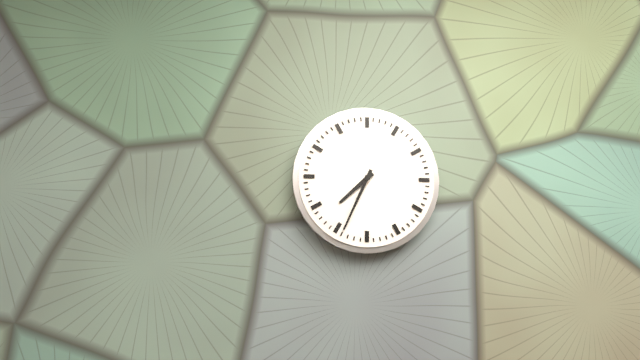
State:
7,34
